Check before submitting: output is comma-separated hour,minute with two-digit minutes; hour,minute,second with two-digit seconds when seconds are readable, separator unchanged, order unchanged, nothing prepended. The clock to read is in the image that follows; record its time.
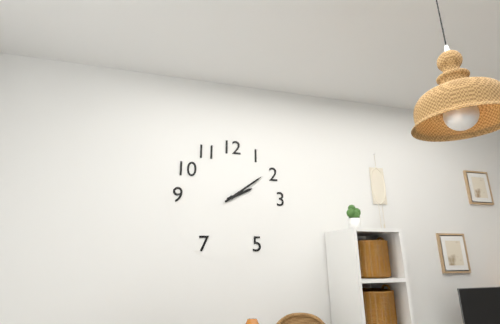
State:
2,09
